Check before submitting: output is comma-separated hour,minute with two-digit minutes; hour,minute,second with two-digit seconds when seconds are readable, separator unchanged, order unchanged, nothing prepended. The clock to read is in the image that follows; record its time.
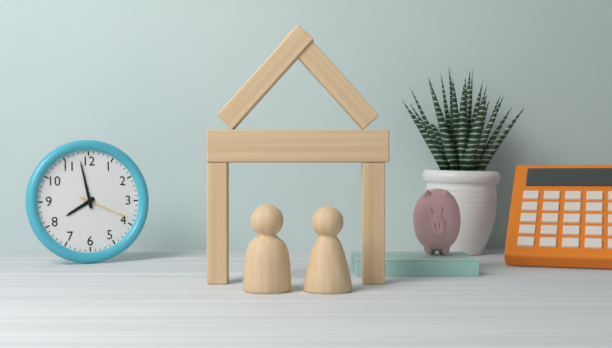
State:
7,58,19
